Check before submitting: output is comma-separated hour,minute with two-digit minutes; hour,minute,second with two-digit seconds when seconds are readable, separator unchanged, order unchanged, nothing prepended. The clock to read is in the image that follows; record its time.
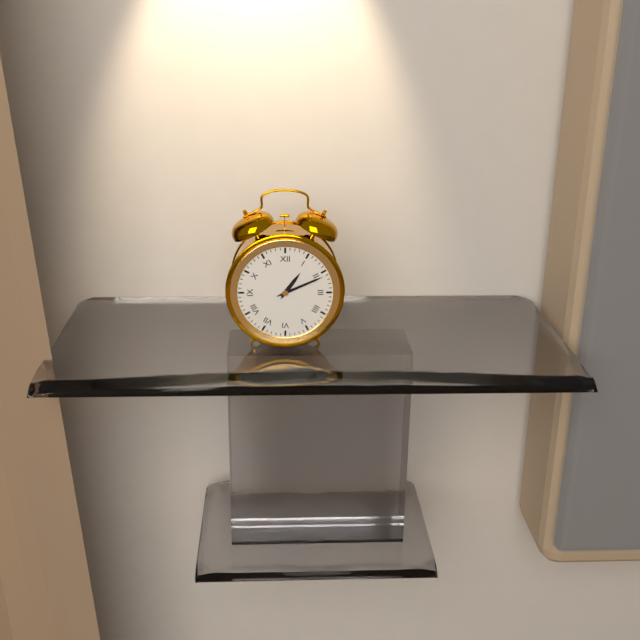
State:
1,11
